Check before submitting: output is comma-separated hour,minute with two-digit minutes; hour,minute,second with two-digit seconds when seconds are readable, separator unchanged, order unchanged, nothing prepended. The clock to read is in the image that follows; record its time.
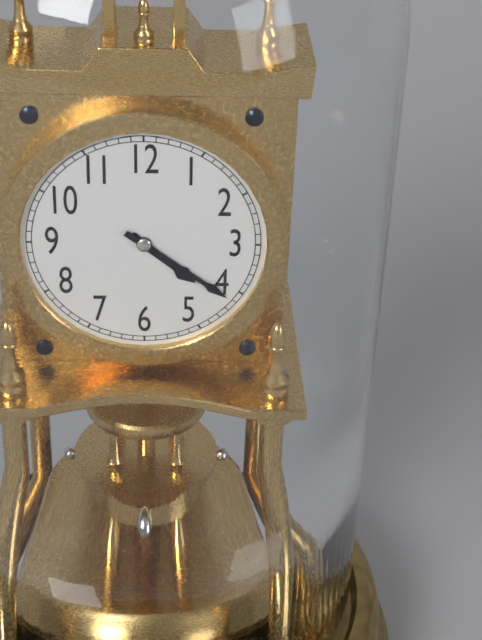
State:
4,21
